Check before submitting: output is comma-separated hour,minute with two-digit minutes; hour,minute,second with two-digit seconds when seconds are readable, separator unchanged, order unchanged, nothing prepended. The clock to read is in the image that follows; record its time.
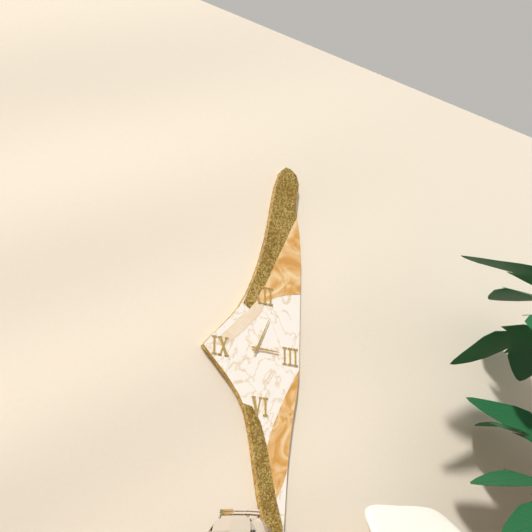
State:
3,04
